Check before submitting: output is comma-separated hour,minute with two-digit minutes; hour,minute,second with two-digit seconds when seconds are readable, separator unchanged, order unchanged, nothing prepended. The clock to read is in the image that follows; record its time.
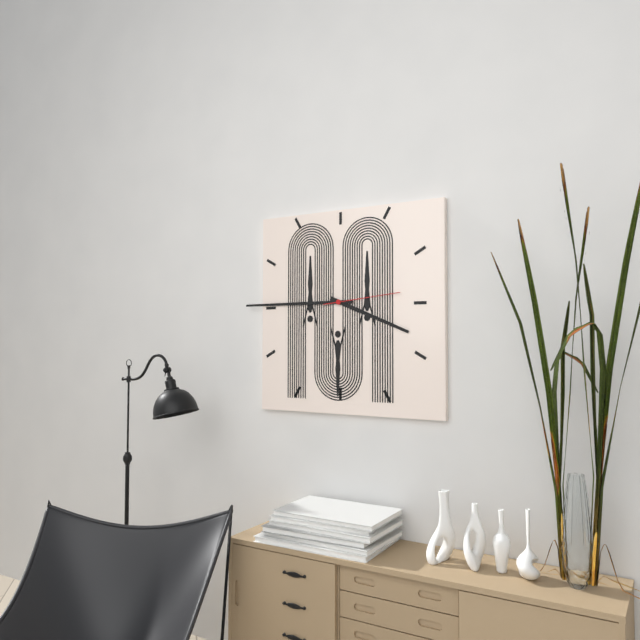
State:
3,45,14
